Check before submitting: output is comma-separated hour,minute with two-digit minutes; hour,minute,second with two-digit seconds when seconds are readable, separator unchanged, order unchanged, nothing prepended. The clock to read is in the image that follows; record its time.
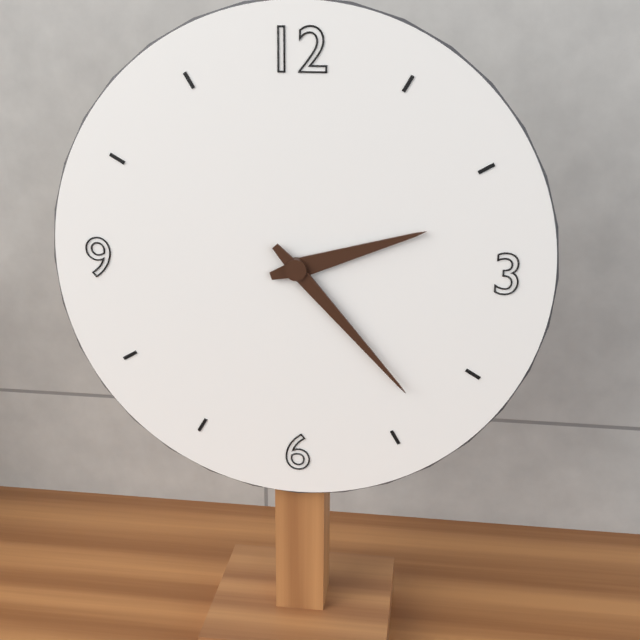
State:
2,23
